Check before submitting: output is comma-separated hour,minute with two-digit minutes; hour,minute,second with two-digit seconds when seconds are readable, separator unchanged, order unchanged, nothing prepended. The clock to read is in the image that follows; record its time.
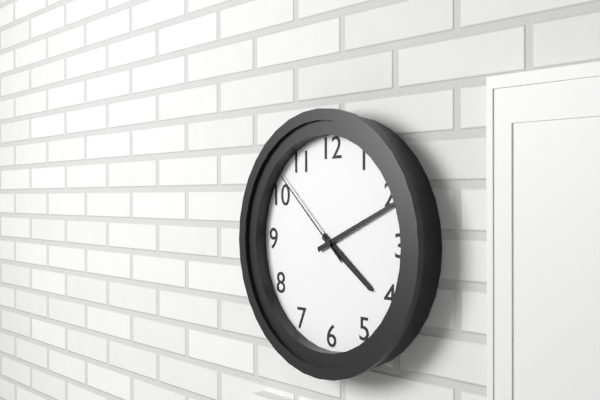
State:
4,11,52
